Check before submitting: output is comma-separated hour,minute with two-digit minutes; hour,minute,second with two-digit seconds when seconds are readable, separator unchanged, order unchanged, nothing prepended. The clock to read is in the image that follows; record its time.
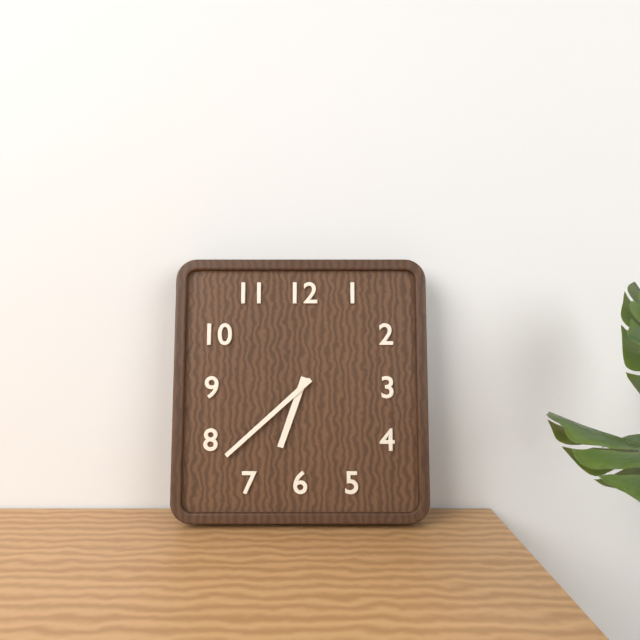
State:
6,38
